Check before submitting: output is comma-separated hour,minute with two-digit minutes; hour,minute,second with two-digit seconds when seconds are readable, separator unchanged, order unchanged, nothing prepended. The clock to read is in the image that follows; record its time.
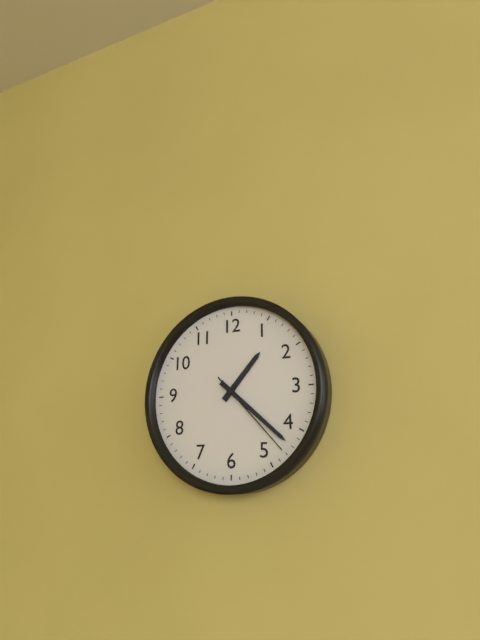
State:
1,22,23
